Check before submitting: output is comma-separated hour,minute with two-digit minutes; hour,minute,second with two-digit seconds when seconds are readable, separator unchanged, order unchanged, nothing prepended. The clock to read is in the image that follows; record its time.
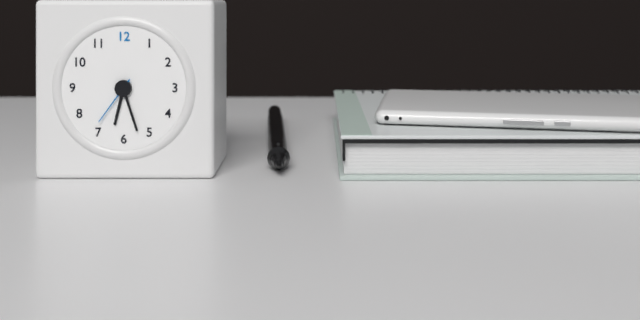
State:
6,27,36
